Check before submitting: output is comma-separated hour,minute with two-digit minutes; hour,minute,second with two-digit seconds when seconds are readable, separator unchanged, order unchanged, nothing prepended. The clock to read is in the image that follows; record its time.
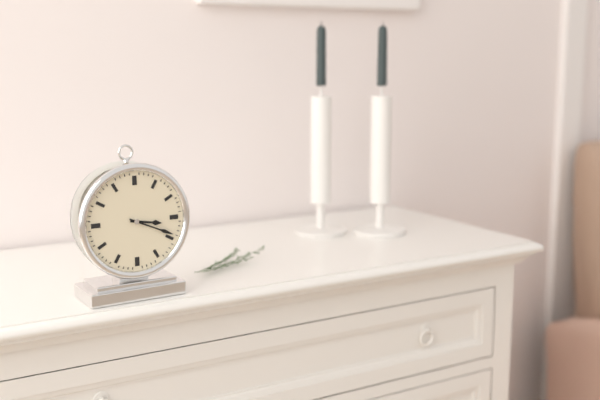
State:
3,19
